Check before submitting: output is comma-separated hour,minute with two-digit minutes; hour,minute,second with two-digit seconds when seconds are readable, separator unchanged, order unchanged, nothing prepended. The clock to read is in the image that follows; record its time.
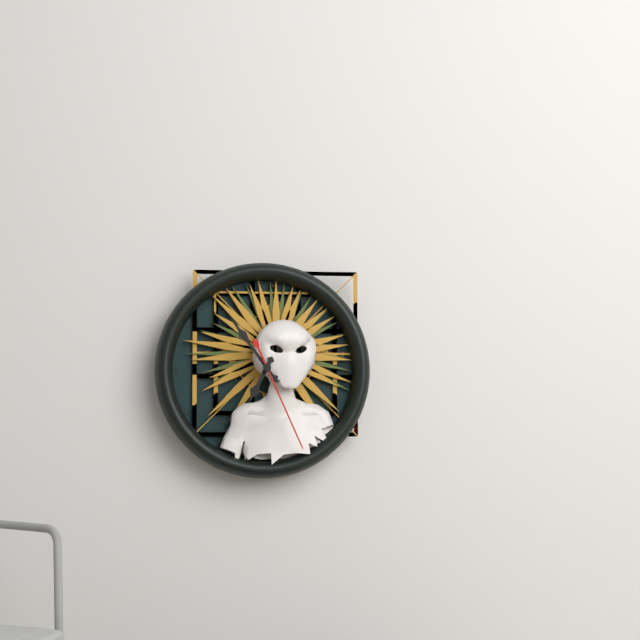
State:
6,54,26
